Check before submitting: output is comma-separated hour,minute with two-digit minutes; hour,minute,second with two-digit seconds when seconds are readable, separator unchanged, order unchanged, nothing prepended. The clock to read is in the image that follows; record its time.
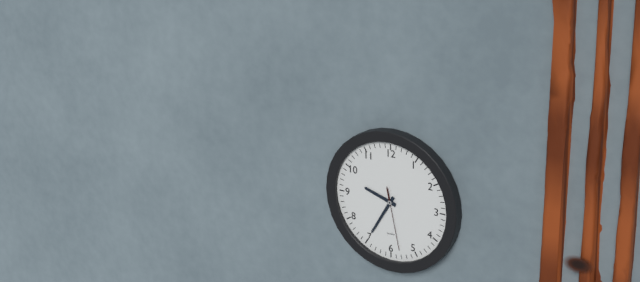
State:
9,35,28
